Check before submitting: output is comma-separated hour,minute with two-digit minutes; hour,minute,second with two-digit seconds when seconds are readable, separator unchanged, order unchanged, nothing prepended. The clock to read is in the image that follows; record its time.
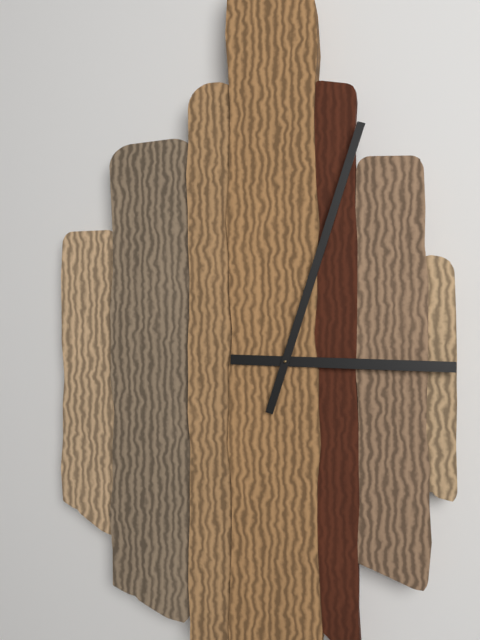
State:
3,03
